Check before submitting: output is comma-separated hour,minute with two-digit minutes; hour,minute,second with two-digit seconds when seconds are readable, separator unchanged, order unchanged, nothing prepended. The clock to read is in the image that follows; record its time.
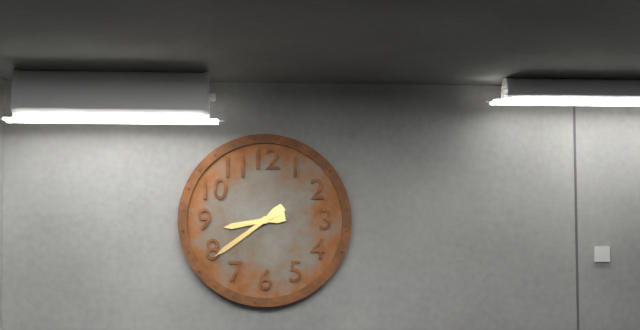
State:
8,39
